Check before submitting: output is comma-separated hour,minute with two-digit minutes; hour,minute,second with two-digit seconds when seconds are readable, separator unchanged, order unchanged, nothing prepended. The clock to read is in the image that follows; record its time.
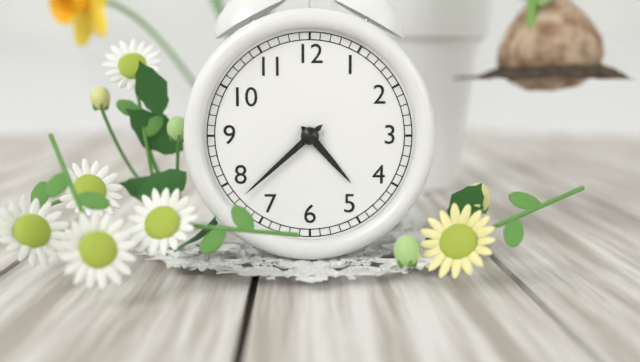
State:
4,38
